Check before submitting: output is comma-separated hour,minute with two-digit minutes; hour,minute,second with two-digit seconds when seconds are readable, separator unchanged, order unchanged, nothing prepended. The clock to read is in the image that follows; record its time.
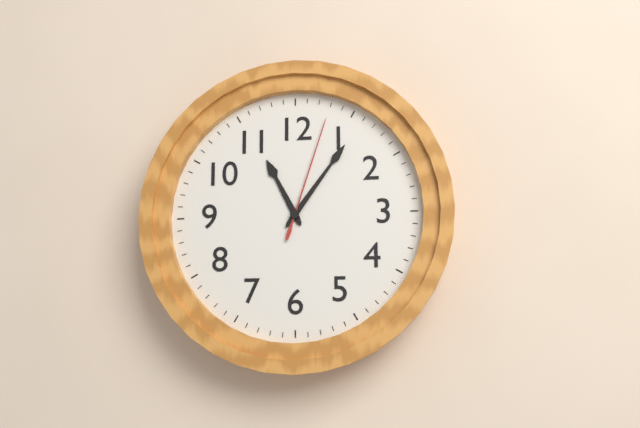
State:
11,06,03
